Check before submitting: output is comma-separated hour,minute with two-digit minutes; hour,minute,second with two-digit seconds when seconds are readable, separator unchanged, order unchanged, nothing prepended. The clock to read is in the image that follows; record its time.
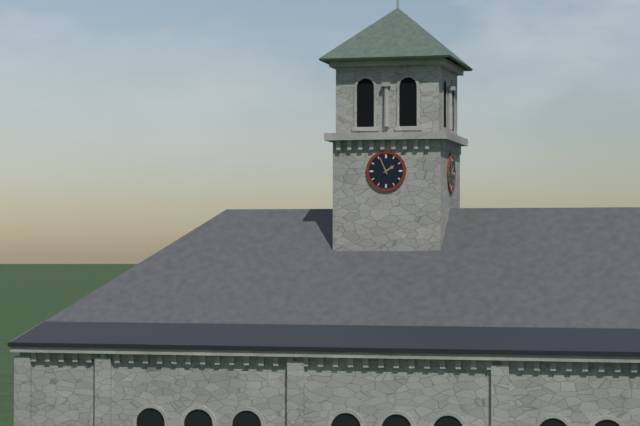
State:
1,56
